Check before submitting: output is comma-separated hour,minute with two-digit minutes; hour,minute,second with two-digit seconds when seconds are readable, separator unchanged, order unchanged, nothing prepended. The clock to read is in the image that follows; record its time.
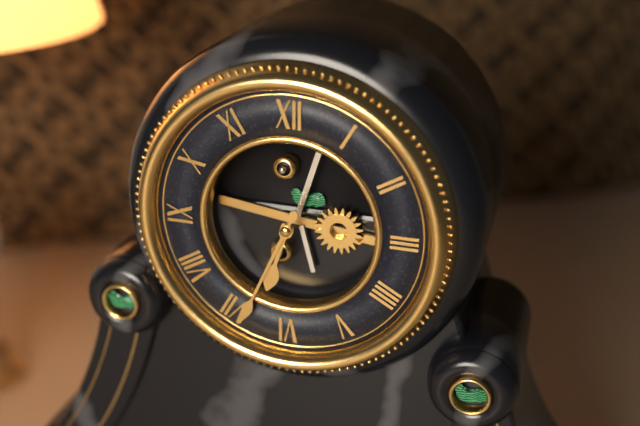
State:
6,34
